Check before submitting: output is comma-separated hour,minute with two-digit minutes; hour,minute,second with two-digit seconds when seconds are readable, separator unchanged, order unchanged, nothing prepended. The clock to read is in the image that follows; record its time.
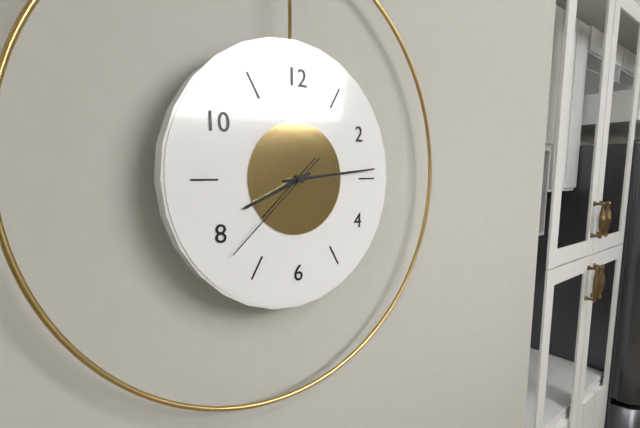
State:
8,14,38
